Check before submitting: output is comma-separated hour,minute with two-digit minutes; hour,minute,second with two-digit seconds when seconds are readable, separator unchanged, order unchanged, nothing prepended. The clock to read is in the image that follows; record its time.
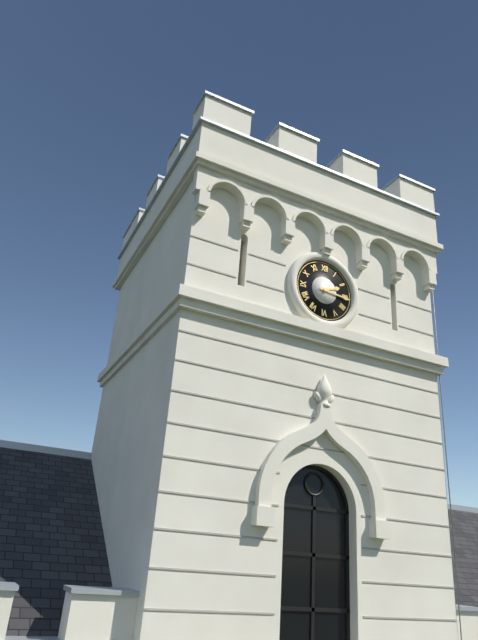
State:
2,16
